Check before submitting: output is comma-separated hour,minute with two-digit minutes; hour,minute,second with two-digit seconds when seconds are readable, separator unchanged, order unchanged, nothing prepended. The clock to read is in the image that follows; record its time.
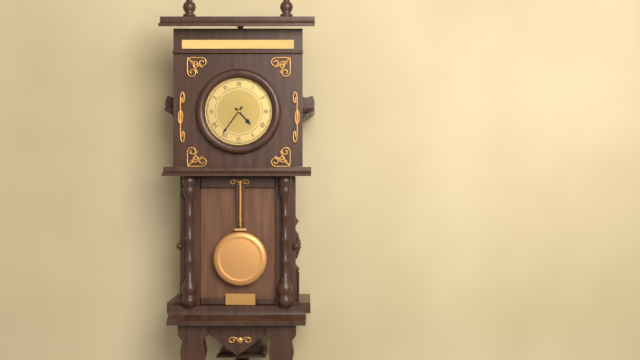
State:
4,36
